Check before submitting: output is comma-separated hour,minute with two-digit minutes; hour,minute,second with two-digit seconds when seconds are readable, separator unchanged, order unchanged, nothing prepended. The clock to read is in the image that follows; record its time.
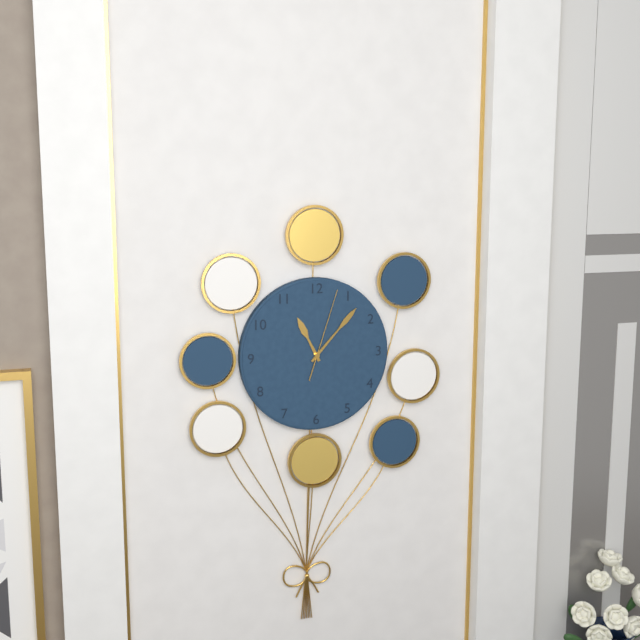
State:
11,07,03
